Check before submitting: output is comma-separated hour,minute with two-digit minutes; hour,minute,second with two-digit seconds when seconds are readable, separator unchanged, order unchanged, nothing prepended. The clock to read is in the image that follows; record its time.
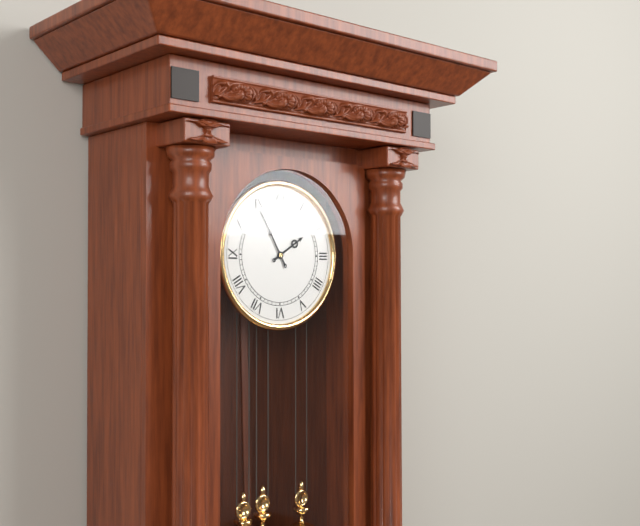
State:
1,55
